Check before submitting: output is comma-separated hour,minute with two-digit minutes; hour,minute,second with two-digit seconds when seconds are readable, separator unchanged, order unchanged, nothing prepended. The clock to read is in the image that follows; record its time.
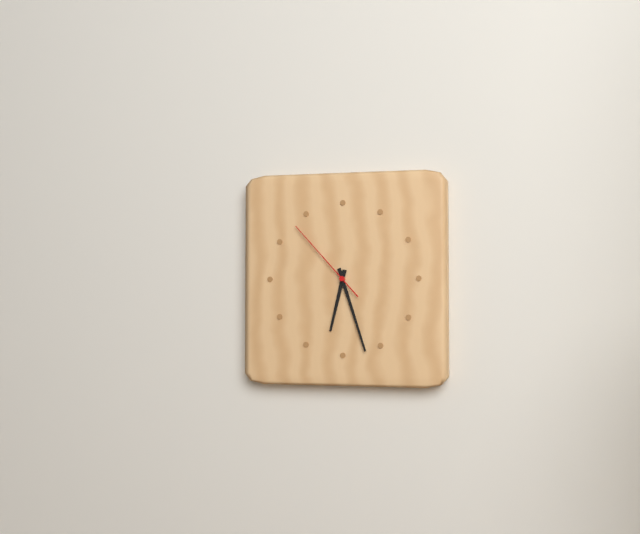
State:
6,27,53
